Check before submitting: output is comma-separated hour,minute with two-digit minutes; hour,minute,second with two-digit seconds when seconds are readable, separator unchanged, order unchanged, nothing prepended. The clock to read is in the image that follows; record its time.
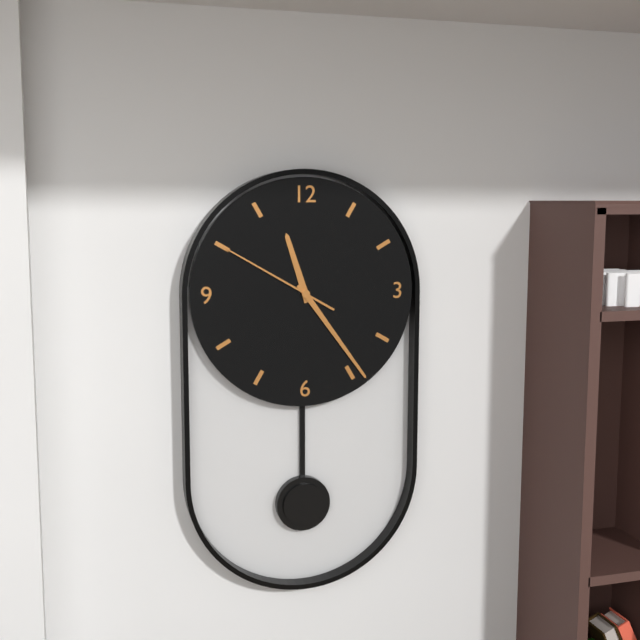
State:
11,24,50
